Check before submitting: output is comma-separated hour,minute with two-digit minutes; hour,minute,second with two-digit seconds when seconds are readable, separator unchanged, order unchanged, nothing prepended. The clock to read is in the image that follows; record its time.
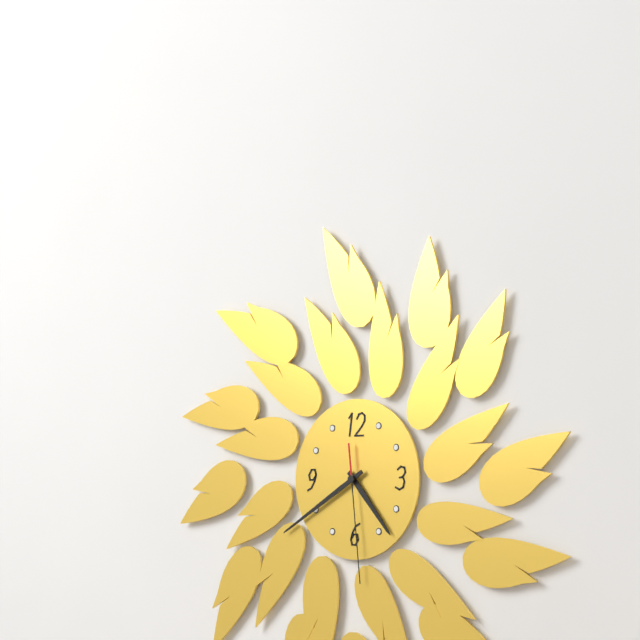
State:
4,40,29
